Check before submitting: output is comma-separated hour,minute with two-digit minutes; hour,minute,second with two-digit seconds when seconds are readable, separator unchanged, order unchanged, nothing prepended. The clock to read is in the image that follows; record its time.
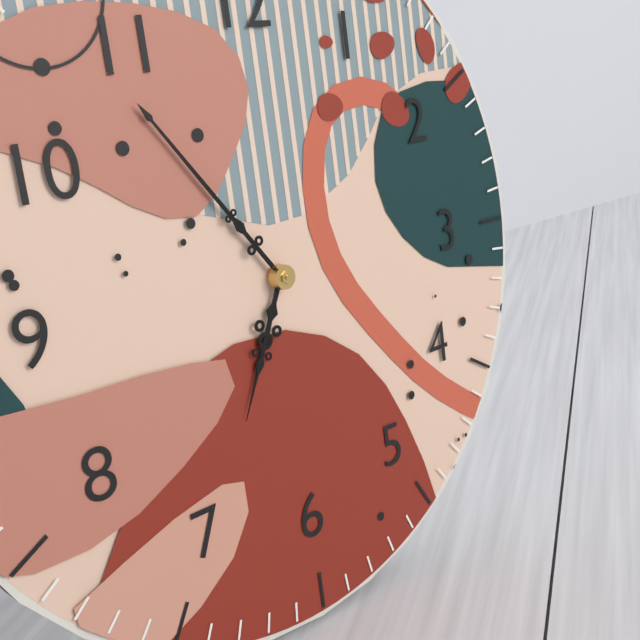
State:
6,54
